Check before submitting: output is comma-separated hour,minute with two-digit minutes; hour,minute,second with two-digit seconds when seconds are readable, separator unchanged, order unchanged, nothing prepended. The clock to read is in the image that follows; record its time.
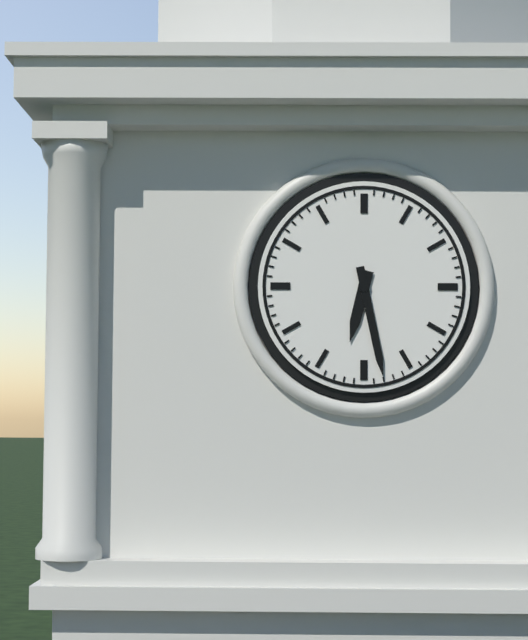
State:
6,28
